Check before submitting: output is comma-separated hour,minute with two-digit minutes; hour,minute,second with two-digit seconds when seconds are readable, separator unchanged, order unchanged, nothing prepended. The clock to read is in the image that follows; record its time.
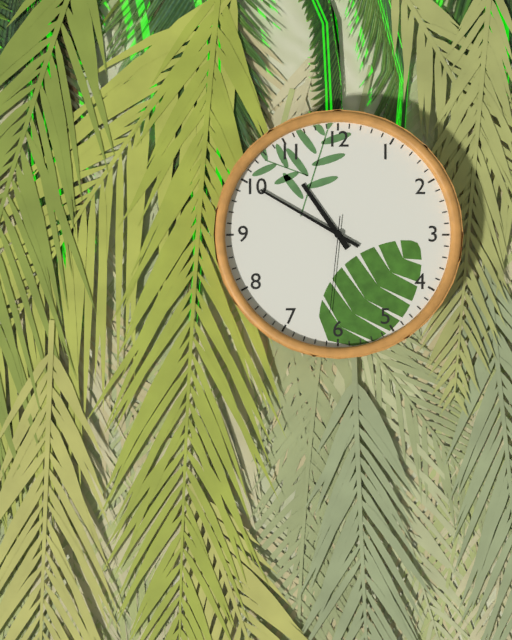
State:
10,50,31
